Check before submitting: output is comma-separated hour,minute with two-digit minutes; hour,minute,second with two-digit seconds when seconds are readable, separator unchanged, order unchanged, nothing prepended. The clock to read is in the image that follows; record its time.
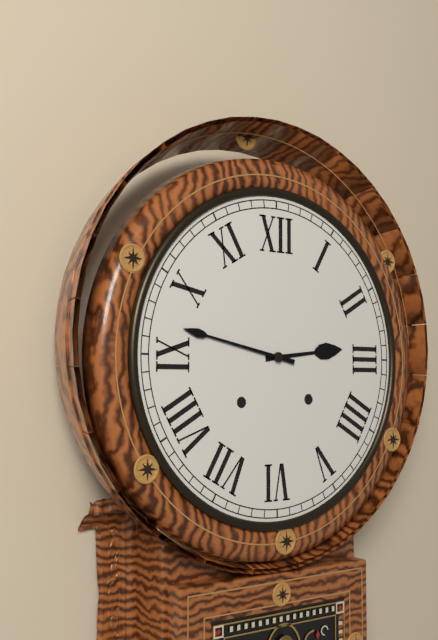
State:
2,47
